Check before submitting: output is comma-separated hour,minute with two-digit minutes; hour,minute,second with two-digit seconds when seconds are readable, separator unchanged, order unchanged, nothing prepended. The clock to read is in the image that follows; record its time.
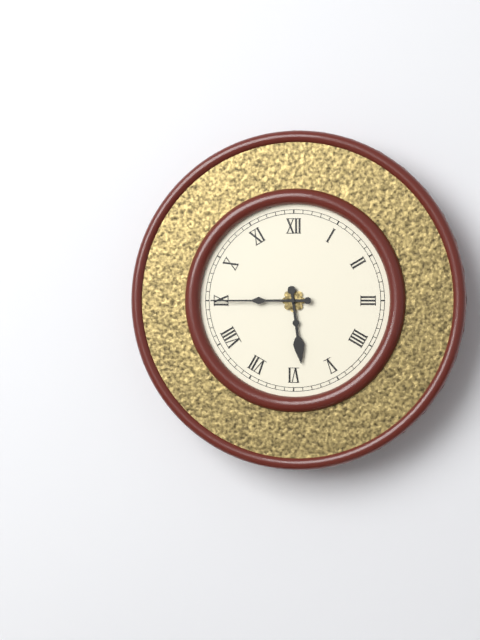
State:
5,45
